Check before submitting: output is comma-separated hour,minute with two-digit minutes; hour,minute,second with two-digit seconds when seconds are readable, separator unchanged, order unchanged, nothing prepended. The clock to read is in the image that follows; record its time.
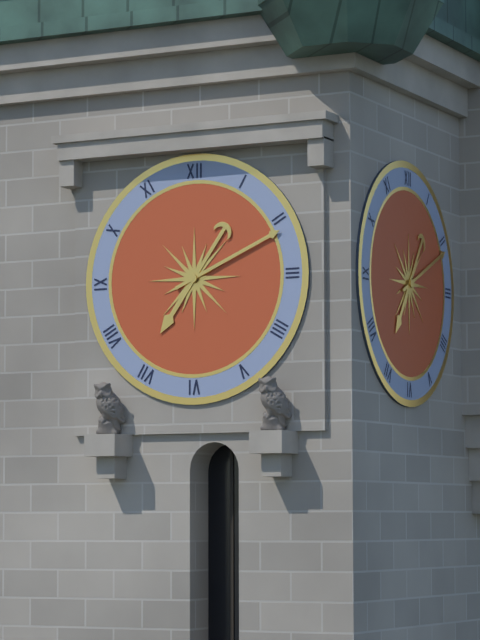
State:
7,11
